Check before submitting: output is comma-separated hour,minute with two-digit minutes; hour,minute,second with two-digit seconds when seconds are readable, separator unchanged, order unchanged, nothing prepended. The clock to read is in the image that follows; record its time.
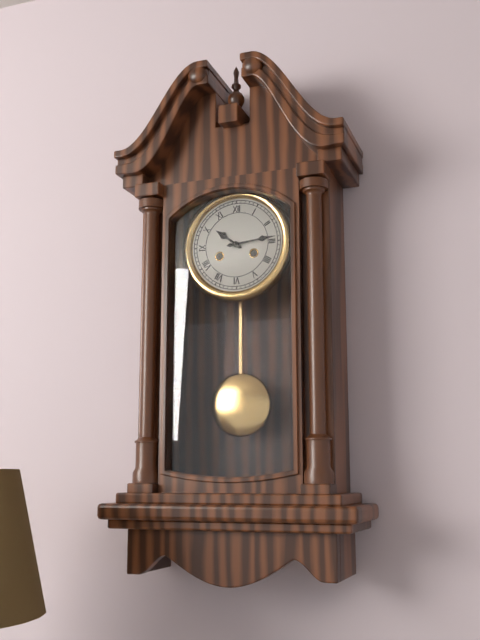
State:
10,14
